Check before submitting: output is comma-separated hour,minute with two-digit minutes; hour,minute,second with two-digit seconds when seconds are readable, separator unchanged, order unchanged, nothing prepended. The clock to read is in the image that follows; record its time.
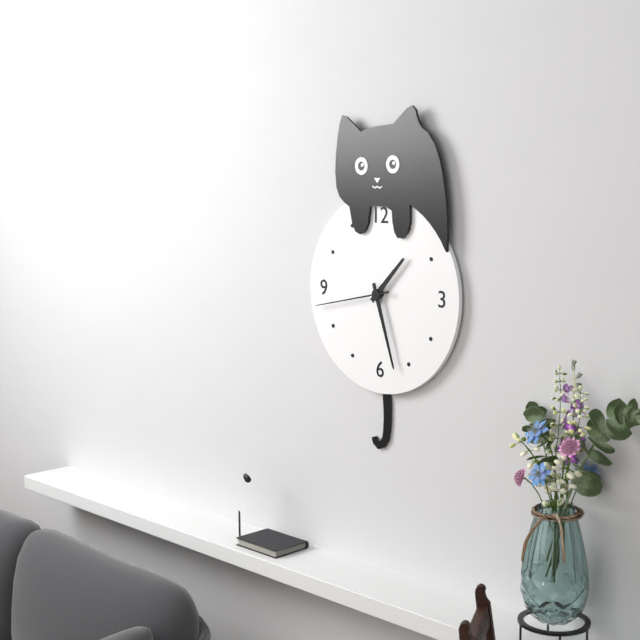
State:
1,27,43
